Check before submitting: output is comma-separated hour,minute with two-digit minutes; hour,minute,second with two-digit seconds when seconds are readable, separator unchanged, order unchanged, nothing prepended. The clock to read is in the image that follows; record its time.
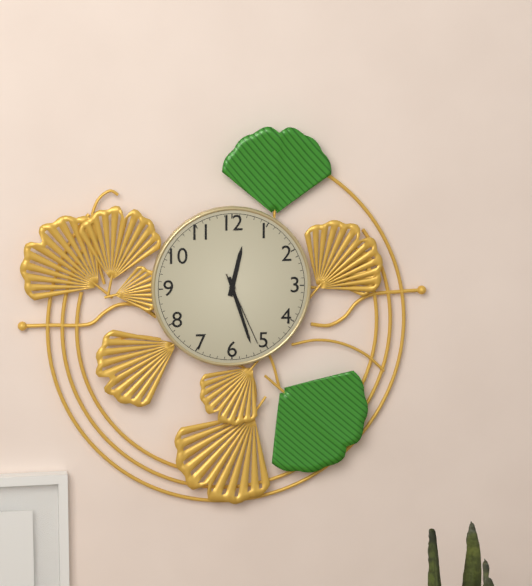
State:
12,27,26
